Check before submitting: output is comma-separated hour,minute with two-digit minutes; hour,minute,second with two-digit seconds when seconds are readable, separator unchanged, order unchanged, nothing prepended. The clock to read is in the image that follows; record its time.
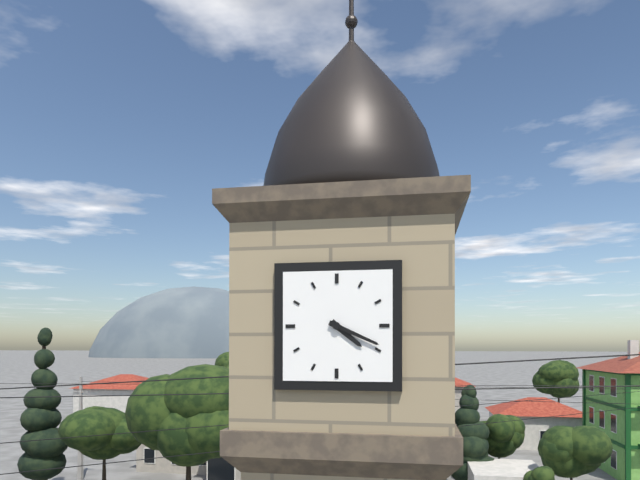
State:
4,19
